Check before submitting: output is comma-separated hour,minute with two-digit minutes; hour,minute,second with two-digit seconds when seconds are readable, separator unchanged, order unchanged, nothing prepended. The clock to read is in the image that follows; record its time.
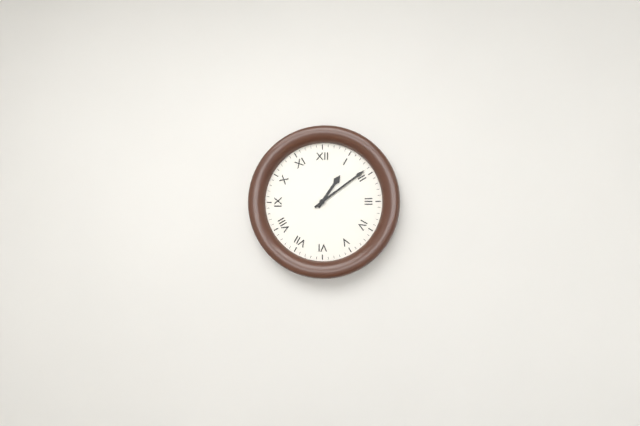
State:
1,09
